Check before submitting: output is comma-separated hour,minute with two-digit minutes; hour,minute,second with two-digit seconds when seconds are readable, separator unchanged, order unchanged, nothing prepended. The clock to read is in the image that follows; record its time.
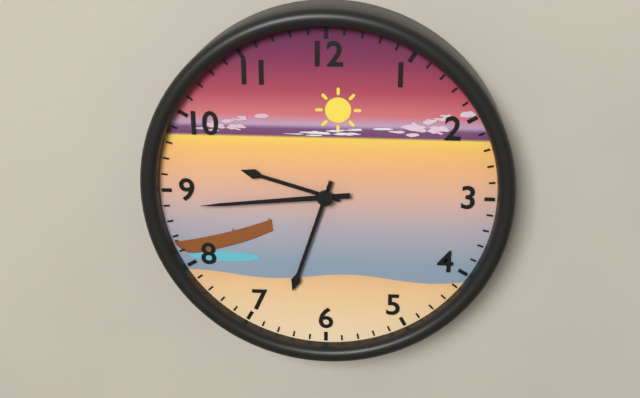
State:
9,33,44
